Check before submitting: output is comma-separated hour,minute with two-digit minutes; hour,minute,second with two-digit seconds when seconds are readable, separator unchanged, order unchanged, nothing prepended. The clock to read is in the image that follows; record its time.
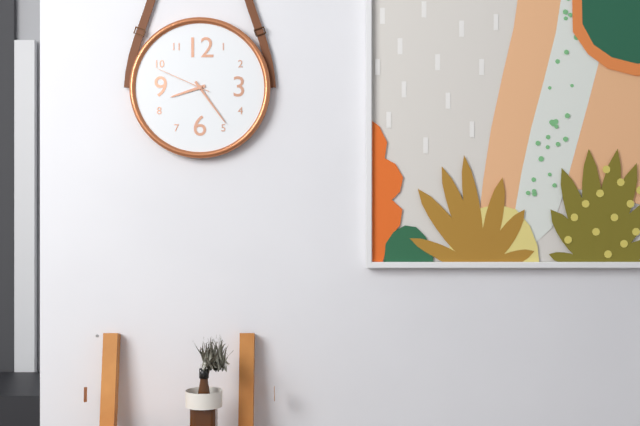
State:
8,24,49
